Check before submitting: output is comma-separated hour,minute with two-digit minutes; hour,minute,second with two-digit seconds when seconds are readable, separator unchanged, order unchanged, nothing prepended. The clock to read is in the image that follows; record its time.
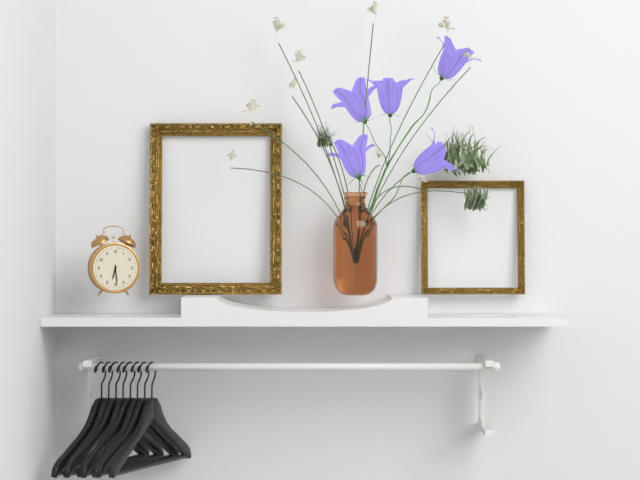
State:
6,29
